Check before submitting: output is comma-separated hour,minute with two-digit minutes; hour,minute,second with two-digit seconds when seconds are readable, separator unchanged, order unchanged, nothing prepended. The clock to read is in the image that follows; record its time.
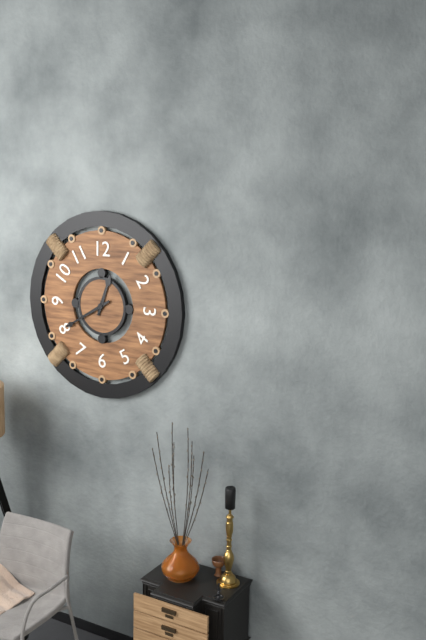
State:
12,40
